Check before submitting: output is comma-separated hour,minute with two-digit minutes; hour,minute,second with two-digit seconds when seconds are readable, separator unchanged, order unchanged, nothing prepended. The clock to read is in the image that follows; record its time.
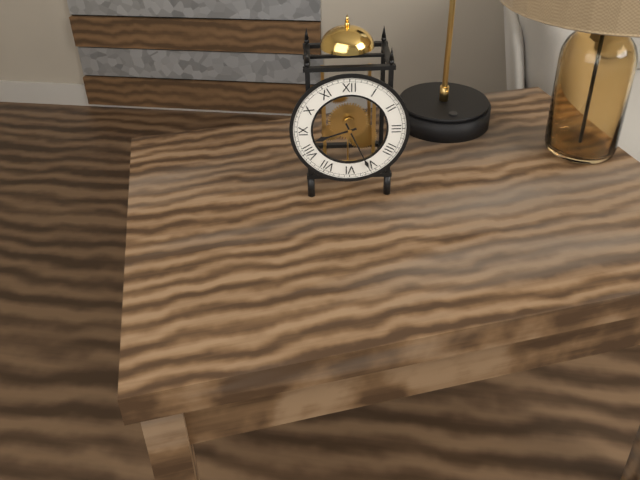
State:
8,26
